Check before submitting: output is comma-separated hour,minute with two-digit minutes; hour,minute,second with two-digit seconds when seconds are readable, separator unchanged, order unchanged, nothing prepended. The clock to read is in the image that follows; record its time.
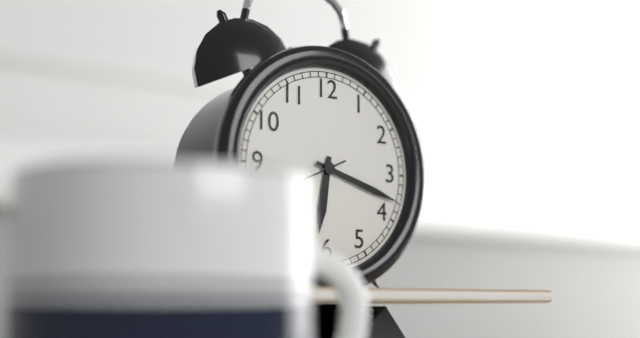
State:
6,18
